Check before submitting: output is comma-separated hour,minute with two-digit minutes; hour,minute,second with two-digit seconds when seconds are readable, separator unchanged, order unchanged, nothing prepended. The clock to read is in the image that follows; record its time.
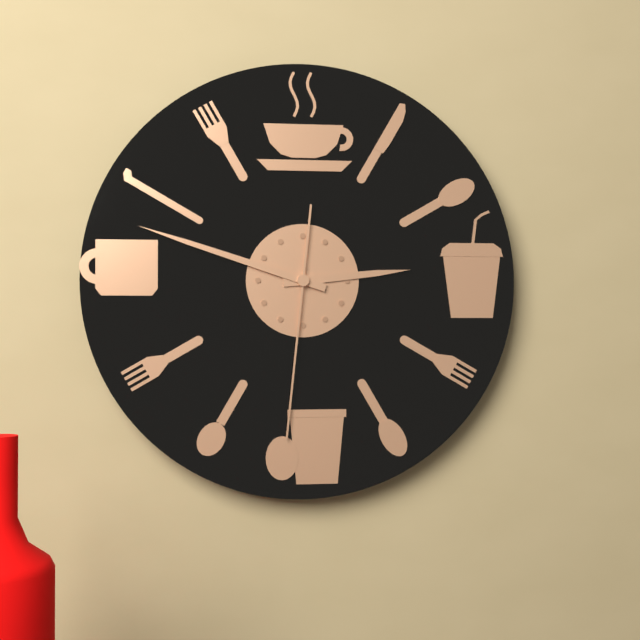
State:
2,48,31
